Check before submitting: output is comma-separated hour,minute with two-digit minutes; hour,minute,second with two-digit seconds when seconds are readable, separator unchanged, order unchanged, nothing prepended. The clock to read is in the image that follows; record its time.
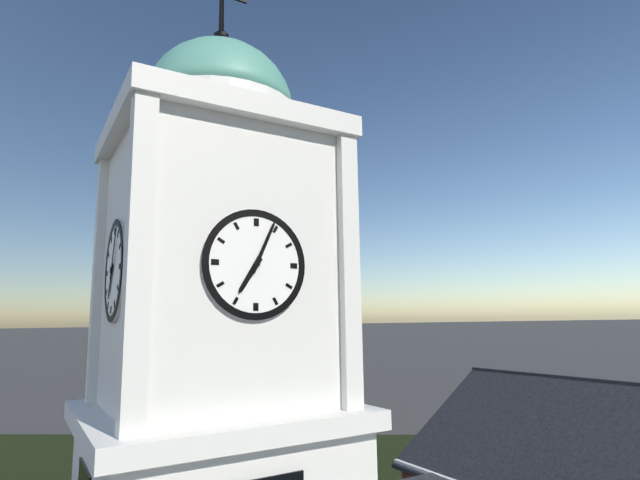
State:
7,04
